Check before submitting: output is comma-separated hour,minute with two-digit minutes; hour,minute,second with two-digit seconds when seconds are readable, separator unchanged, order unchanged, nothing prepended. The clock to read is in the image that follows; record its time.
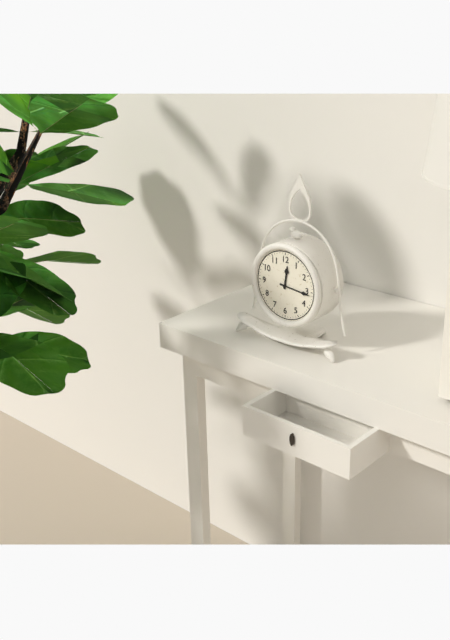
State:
12,16
